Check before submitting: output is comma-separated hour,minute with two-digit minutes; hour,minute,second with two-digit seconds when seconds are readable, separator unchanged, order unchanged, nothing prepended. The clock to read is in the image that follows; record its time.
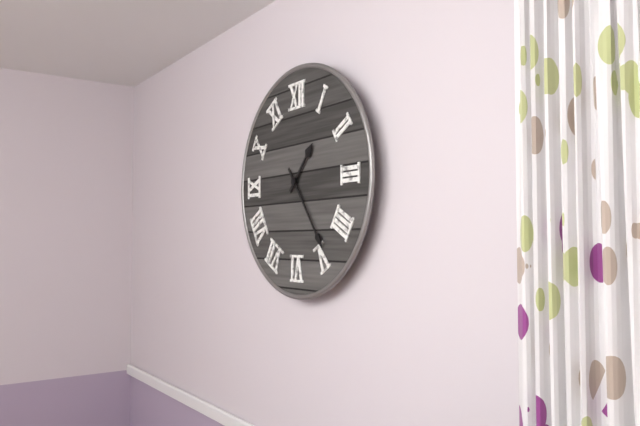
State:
1,24
